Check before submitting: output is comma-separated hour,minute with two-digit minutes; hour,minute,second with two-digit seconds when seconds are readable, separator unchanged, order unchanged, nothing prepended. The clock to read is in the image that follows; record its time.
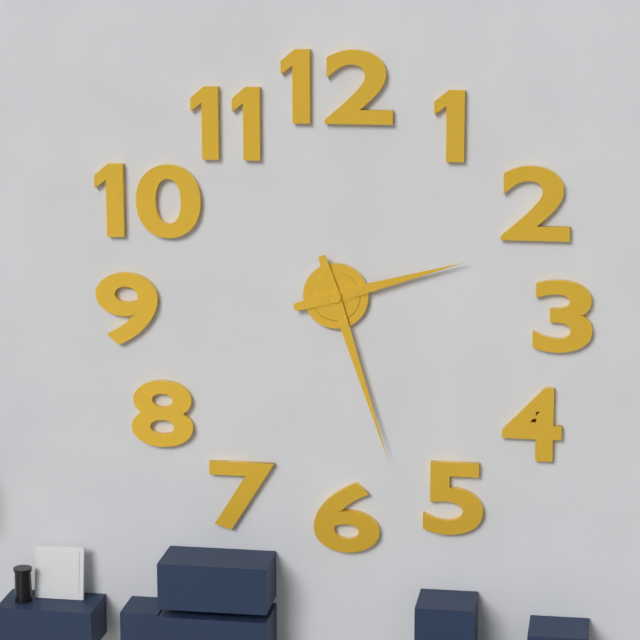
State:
2,27
